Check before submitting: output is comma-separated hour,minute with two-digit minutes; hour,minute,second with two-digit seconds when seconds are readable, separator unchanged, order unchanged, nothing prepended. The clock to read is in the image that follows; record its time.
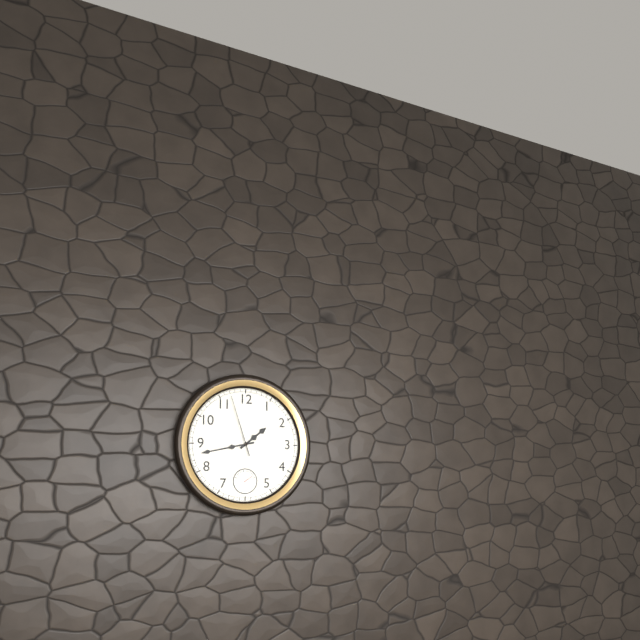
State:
1,43,57
